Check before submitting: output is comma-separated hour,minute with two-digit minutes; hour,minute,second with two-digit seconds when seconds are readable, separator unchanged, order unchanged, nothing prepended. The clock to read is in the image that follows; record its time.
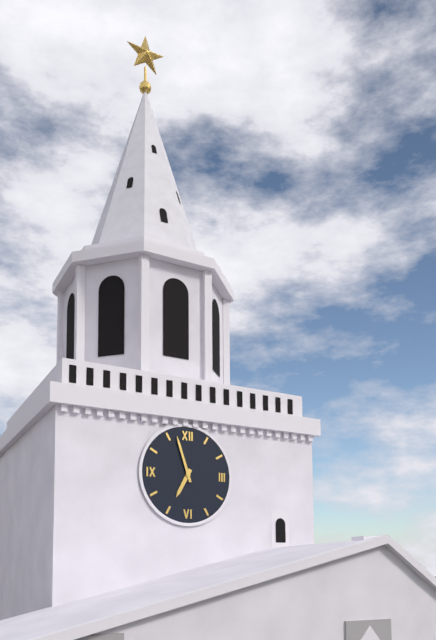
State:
6,57
